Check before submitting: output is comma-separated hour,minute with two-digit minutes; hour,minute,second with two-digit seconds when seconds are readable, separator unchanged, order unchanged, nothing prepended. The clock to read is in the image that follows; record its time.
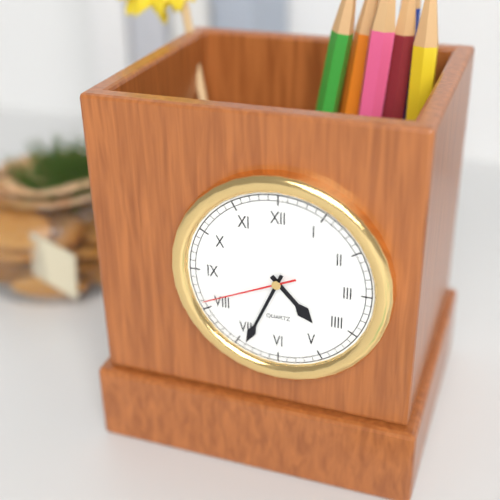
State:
4,34,41
